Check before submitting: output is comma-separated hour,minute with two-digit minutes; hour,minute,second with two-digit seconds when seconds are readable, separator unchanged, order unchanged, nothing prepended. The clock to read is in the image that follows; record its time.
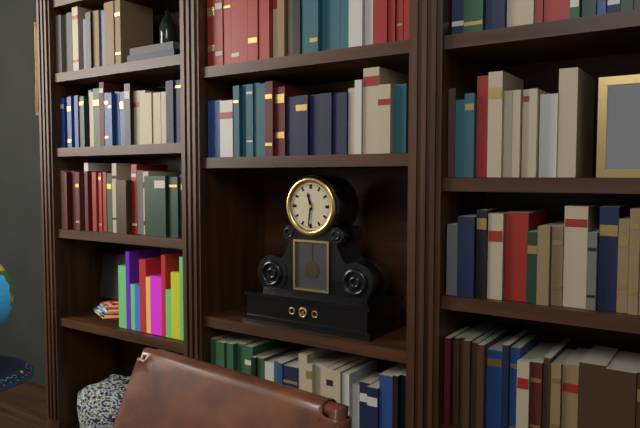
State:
11,31
